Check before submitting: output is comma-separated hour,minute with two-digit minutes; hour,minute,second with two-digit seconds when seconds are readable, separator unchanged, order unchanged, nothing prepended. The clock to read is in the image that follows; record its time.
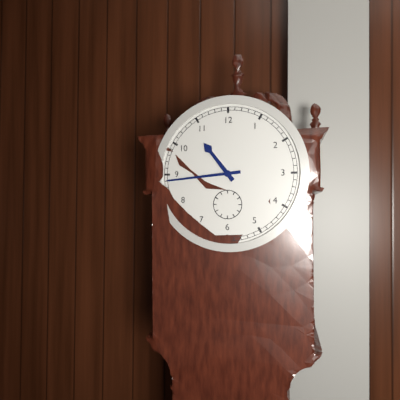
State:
10,44
